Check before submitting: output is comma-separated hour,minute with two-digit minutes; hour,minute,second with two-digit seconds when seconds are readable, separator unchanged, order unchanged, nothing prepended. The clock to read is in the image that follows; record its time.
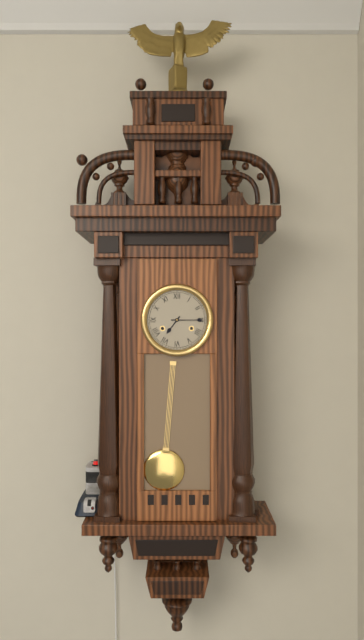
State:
7,15
